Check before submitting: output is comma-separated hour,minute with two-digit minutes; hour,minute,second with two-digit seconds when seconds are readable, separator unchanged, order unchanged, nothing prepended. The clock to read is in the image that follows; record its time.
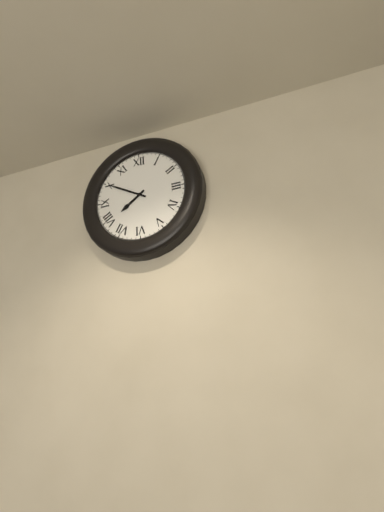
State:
7,50
